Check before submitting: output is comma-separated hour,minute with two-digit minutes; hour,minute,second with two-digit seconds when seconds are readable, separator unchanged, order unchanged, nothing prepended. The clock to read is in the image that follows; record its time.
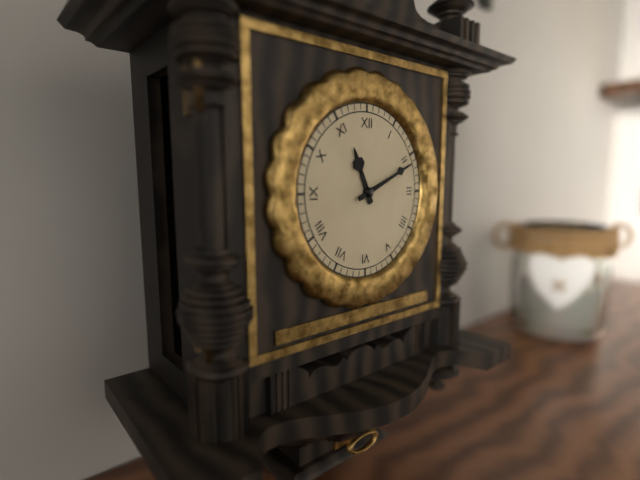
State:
11,11
